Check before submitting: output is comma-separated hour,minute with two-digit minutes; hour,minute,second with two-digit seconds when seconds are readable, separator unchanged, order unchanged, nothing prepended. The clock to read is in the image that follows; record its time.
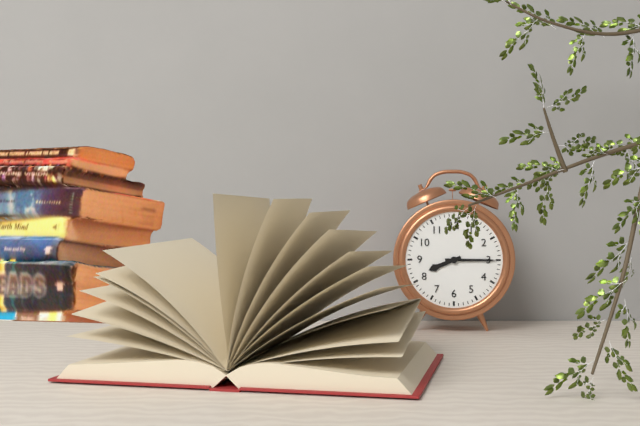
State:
8,15
